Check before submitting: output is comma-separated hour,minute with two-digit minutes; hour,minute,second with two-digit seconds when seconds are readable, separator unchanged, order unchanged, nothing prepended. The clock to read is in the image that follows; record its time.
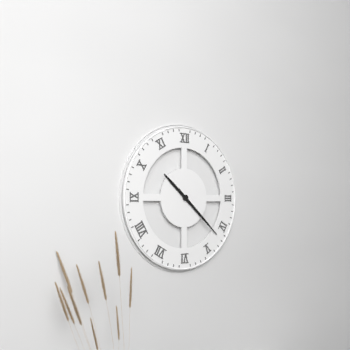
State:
10,22
